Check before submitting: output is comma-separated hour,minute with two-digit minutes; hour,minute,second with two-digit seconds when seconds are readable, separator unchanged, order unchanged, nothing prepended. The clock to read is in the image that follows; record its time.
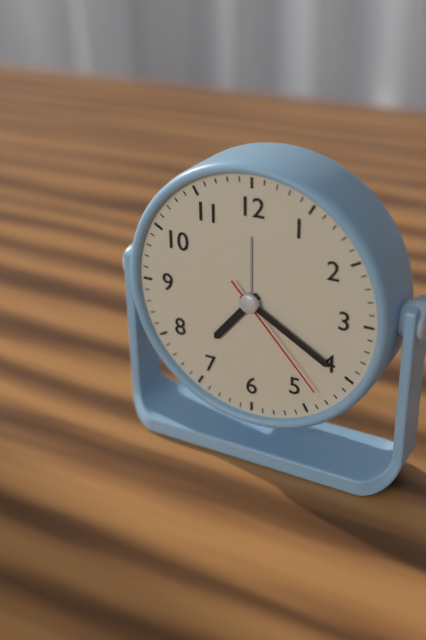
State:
7,20,23
